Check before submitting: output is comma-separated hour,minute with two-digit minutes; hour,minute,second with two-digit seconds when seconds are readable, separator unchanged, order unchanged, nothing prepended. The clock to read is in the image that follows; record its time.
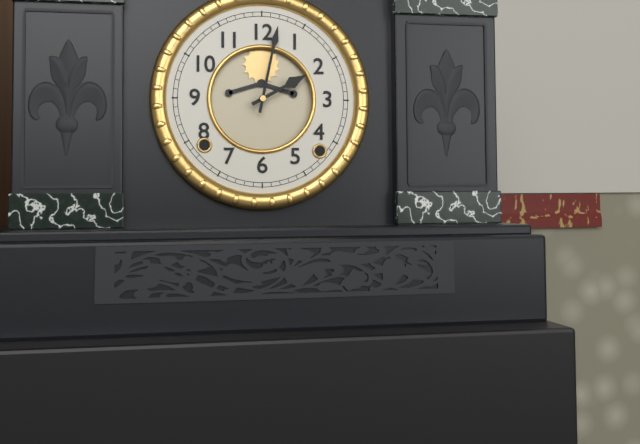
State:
2,02
